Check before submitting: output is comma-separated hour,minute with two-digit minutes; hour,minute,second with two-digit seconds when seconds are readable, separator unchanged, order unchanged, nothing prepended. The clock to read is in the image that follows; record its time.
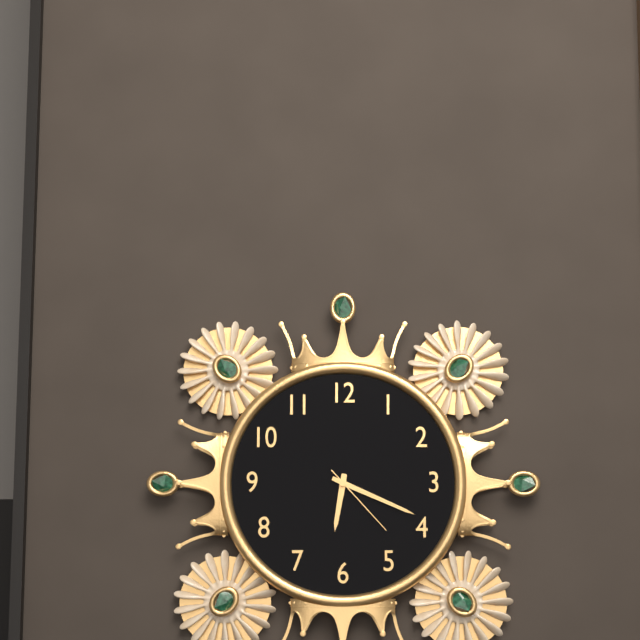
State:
6,19,23
